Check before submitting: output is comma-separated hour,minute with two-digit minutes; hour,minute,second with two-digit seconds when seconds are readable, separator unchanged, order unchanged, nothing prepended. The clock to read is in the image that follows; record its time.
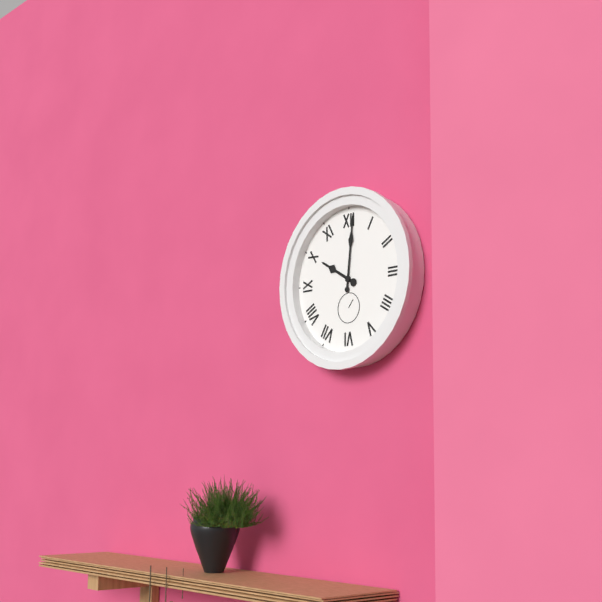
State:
10,01
